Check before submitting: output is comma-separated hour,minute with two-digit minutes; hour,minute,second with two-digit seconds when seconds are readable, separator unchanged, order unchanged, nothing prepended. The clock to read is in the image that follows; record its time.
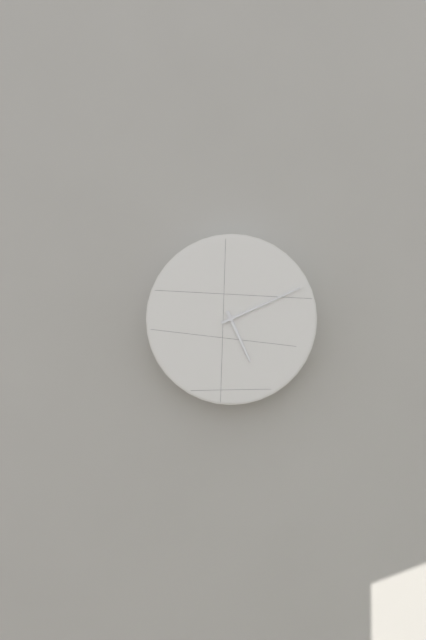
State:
5,11
